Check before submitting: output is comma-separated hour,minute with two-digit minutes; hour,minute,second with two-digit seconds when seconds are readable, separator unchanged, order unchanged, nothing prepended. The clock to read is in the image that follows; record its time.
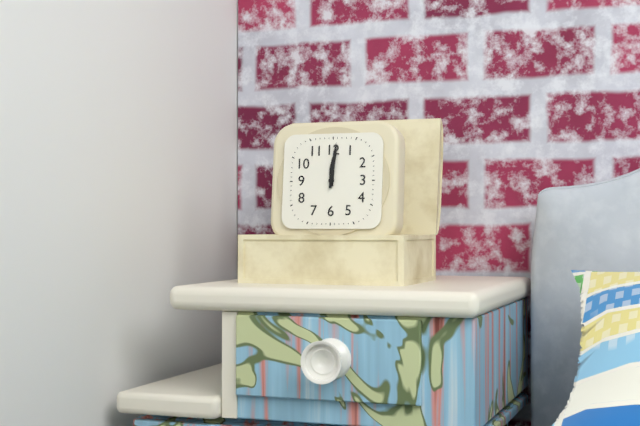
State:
12,01
